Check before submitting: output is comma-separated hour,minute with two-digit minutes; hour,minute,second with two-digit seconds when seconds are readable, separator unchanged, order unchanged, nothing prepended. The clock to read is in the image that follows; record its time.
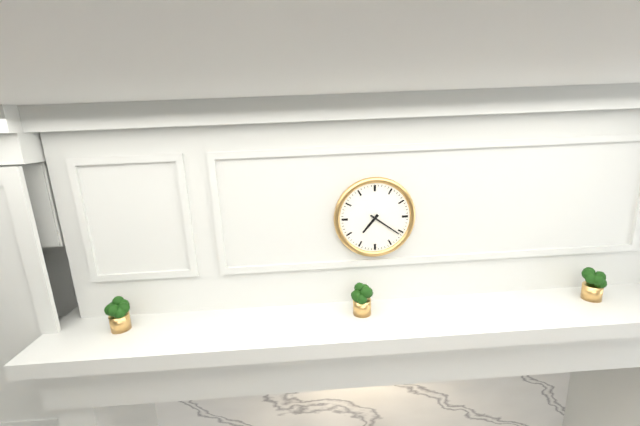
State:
7,21
